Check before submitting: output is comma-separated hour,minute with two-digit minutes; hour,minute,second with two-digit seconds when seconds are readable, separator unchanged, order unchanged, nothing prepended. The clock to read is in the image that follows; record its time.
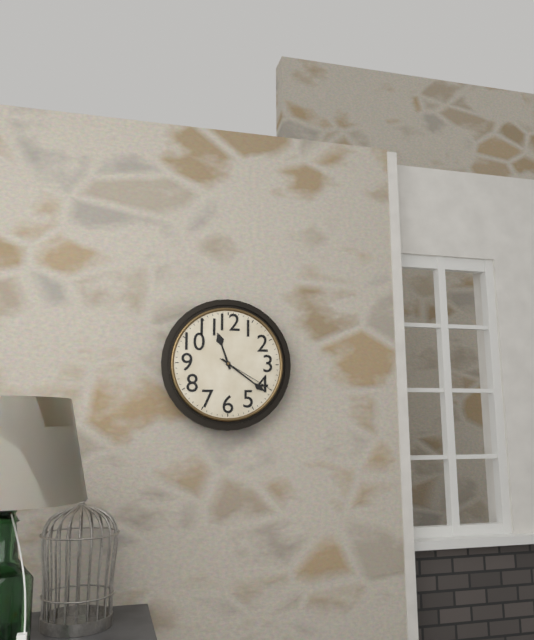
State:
11,21,20
